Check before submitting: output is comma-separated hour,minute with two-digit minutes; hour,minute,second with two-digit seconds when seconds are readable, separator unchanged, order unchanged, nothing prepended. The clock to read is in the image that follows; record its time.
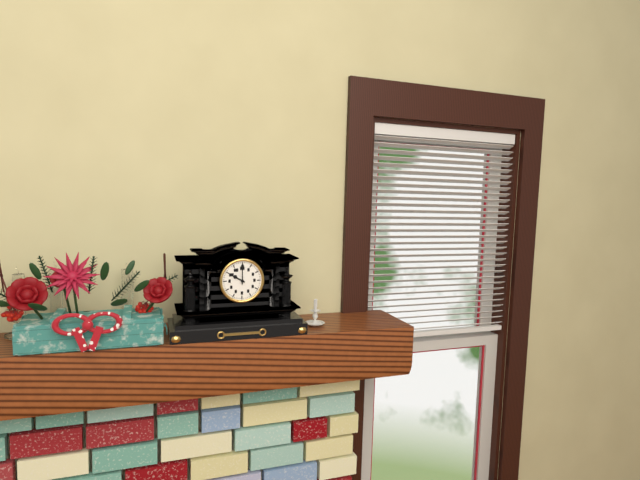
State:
10,00
